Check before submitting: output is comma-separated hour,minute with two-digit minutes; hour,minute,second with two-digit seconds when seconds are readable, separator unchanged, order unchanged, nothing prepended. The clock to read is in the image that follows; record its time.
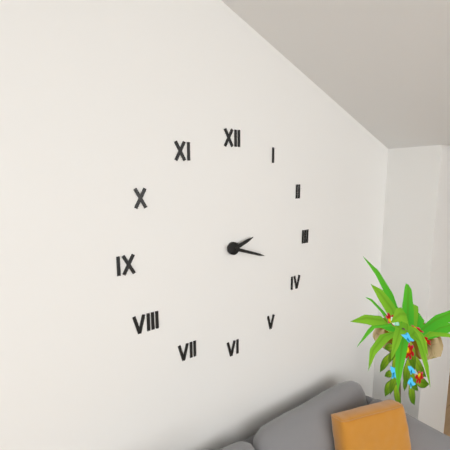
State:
2,18
